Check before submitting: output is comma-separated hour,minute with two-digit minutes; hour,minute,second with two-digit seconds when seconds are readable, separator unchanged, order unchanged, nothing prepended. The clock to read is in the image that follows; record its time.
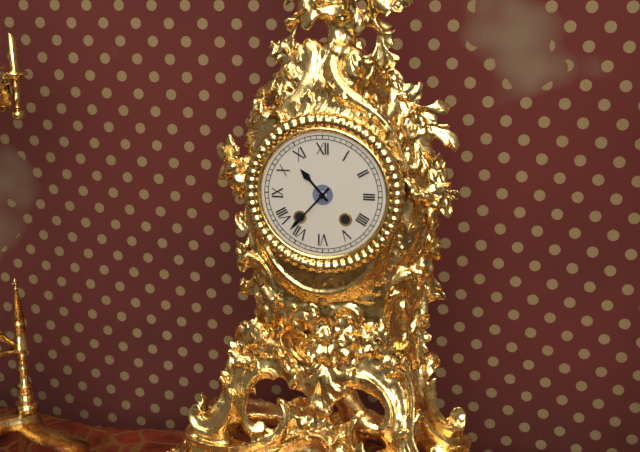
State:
10,37
